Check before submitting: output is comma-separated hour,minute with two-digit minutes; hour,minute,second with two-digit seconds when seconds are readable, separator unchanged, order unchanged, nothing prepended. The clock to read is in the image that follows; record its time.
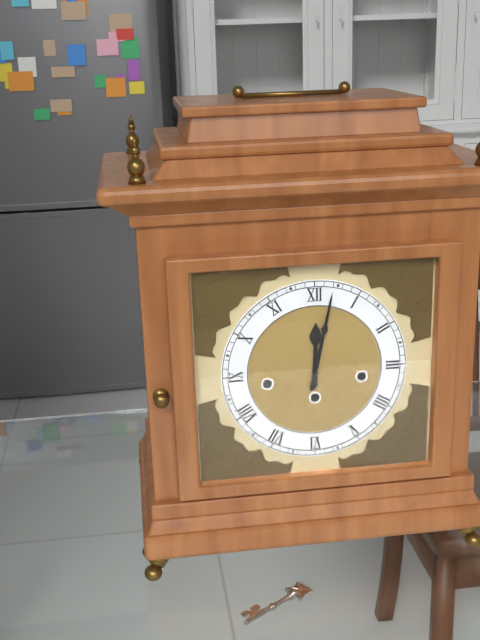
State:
12,02
